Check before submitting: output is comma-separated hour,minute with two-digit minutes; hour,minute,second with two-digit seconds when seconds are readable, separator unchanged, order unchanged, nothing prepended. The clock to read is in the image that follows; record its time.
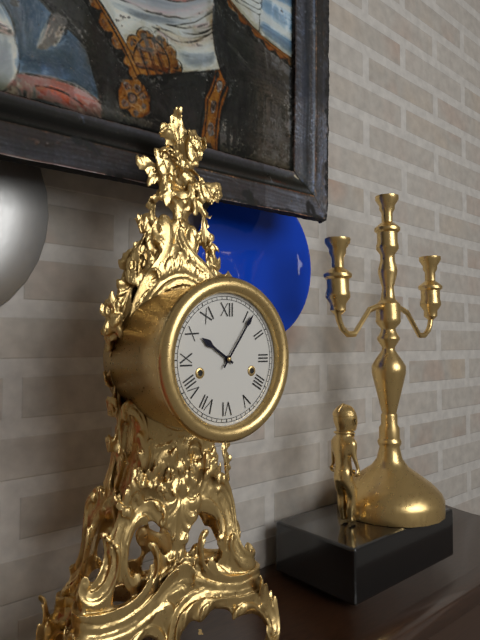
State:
10,06
